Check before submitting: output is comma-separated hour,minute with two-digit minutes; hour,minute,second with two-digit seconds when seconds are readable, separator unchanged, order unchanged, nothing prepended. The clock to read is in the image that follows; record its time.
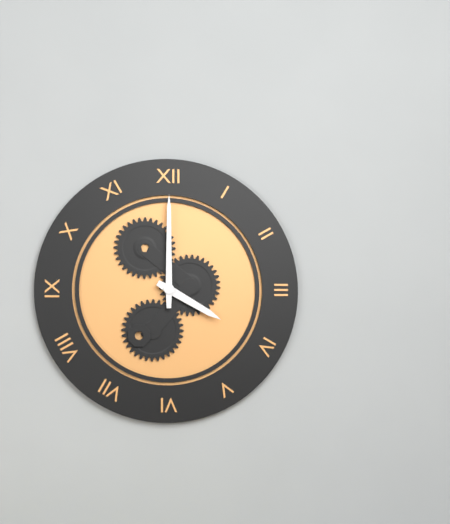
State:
4,00
